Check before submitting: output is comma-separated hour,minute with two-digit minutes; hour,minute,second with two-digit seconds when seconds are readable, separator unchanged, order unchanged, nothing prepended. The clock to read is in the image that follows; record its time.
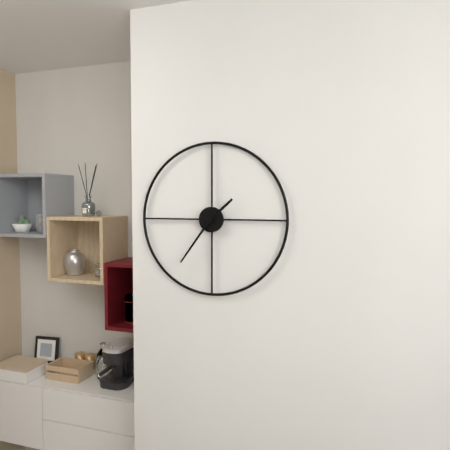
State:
1,36
